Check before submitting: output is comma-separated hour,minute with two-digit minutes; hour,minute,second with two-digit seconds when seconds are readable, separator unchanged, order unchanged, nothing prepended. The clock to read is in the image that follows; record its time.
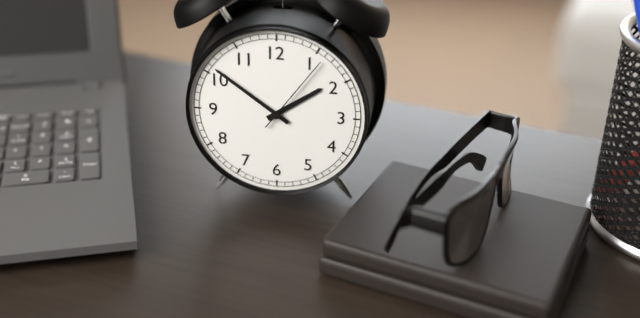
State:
1,51,06
